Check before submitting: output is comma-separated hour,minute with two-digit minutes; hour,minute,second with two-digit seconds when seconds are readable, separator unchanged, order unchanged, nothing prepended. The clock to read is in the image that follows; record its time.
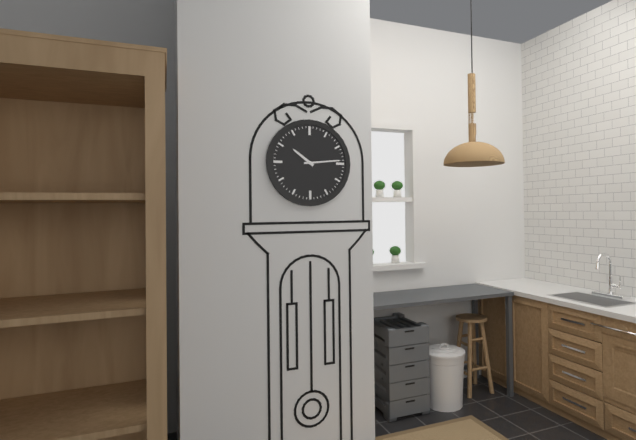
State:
10,14
